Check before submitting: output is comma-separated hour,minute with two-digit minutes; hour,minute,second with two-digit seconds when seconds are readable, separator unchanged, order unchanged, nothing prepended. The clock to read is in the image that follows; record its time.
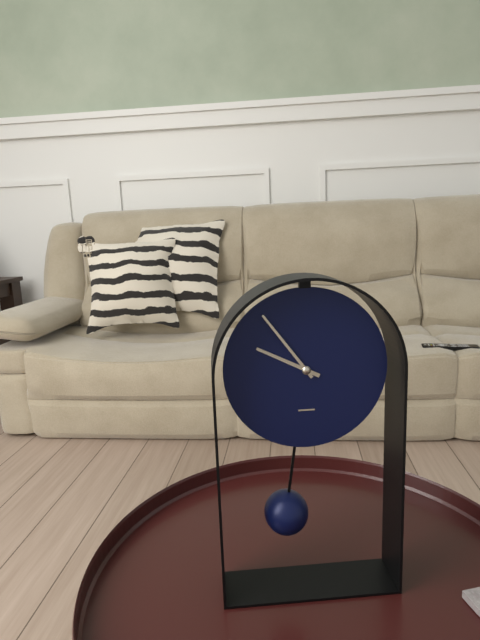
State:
9,54
